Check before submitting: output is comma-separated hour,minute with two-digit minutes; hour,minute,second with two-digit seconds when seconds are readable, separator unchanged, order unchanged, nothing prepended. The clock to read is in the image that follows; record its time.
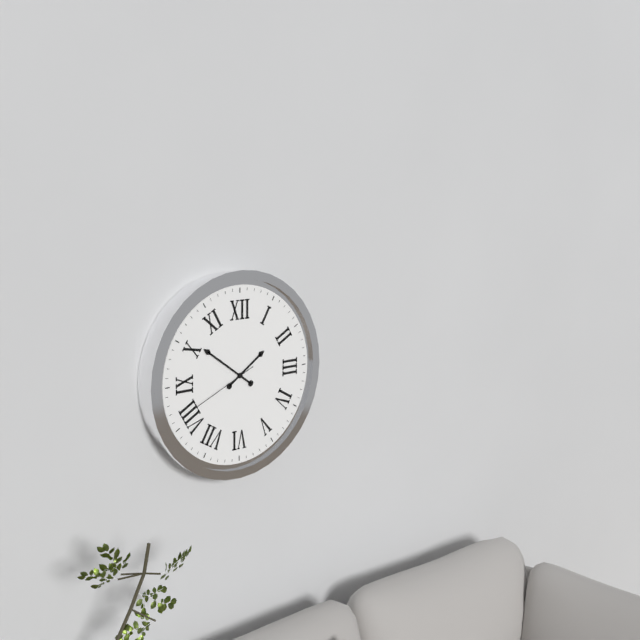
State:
1,51,41
